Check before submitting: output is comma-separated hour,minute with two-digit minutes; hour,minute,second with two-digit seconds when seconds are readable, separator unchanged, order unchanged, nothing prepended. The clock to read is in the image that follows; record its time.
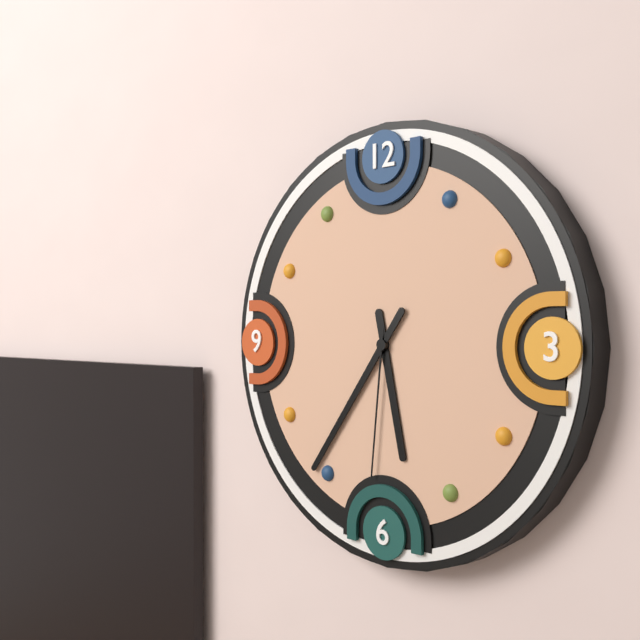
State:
5,36,31
